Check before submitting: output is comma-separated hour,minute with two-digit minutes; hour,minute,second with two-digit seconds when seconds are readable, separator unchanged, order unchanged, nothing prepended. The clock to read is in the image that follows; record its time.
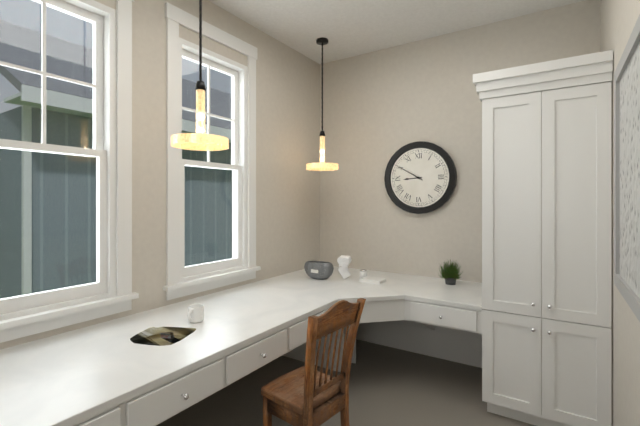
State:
8,50
